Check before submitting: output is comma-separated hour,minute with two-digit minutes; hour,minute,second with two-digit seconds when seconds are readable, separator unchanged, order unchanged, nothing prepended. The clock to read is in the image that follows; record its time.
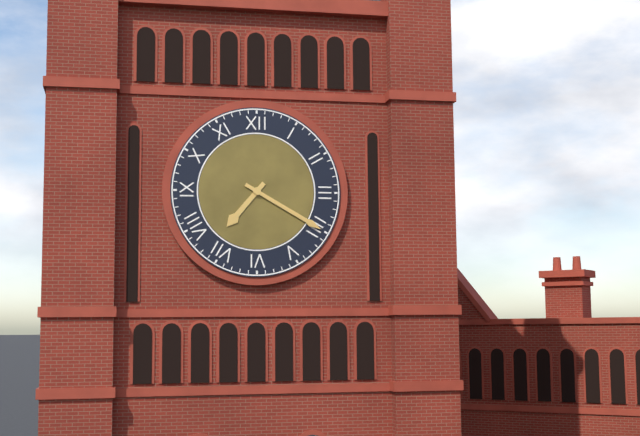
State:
7,20
